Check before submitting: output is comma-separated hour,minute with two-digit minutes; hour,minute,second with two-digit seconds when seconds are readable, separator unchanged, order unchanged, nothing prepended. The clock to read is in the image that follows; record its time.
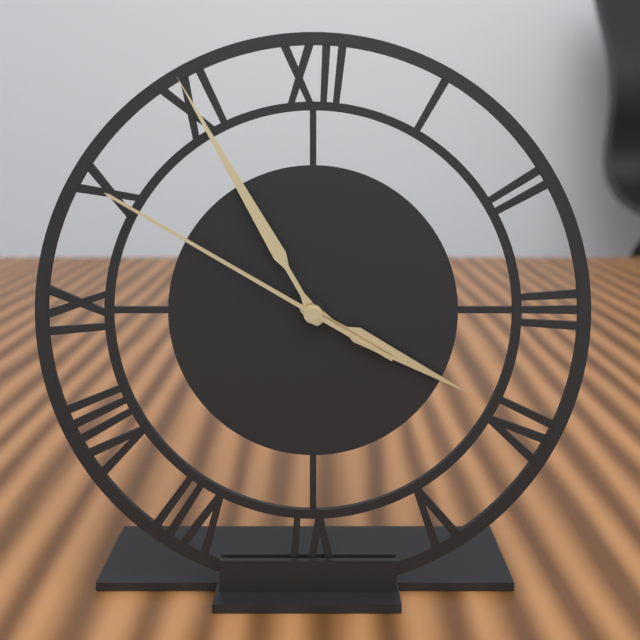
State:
3,55,50
